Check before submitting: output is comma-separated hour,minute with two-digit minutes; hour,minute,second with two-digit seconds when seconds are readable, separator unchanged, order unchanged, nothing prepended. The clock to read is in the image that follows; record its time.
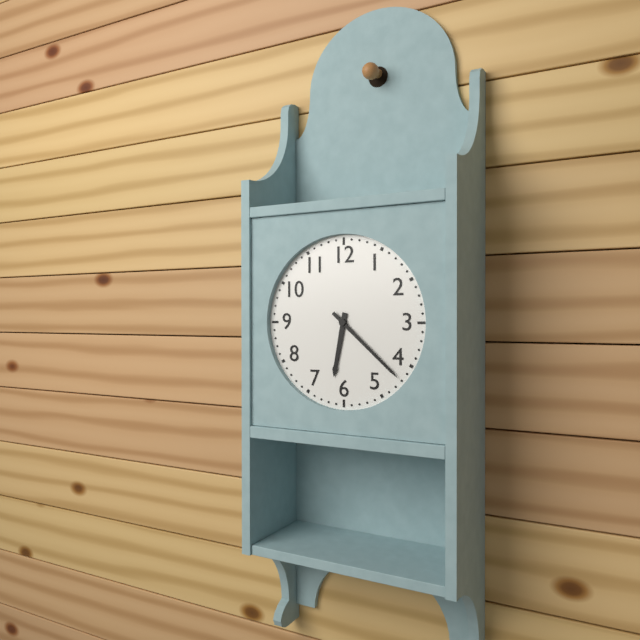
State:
6,22
